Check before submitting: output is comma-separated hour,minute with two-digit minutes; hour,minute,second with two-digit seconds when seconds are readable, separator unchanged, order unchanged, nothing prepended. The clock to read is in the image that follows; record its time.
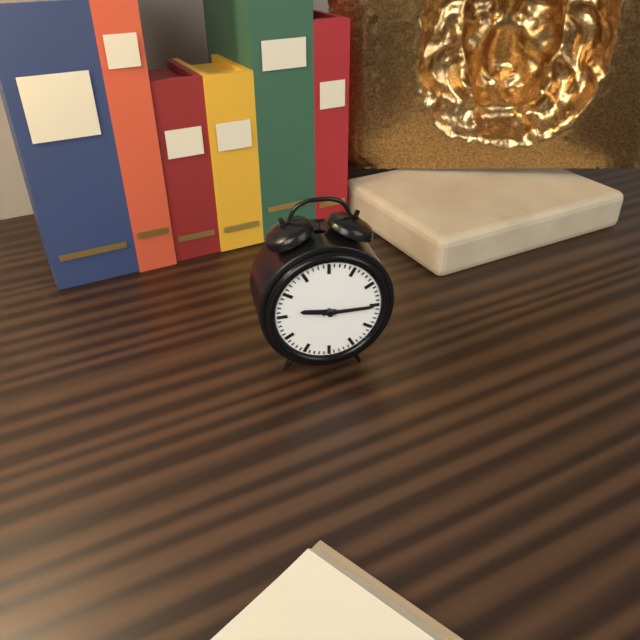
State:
9,15
